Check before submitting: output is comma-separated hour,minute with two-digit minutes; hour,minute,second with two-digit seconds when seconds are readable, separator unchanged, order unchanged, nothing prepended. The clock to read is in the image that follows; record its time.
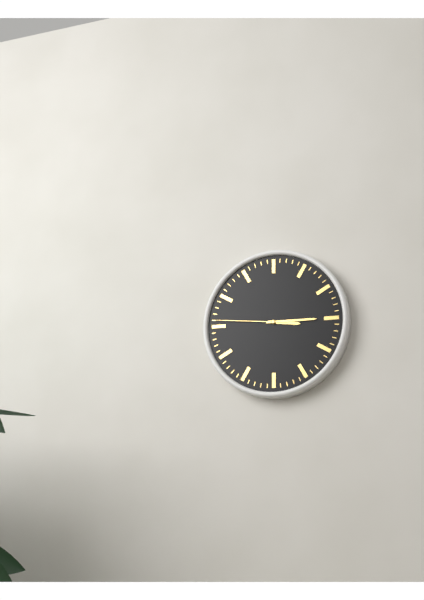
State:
3,15,46
